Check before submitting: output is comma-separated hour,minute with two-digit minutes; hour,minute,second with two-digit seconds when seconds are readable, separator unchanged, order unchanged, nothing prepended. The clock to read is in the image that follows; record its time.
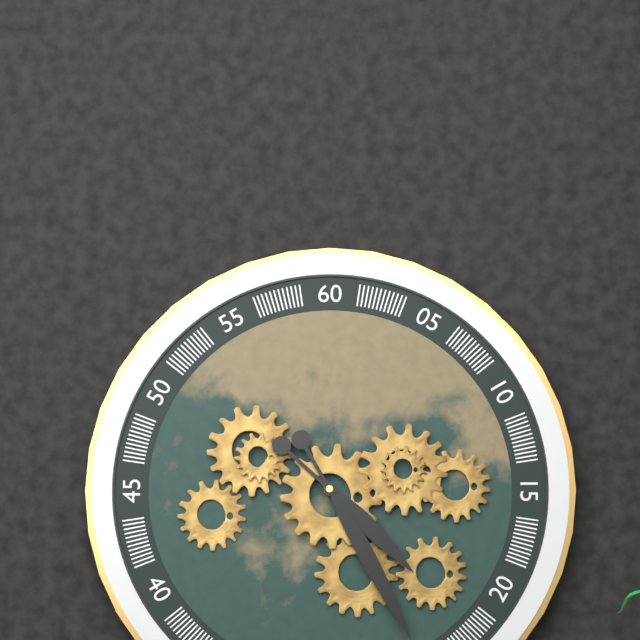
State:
4,25
